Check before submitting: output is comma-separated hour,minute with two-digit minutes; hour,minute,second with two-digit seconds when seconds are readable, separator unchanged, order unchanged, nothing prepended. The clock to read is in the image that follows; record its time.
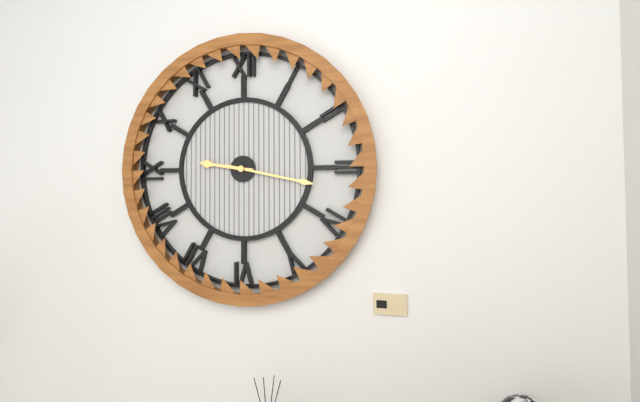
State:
9,17
